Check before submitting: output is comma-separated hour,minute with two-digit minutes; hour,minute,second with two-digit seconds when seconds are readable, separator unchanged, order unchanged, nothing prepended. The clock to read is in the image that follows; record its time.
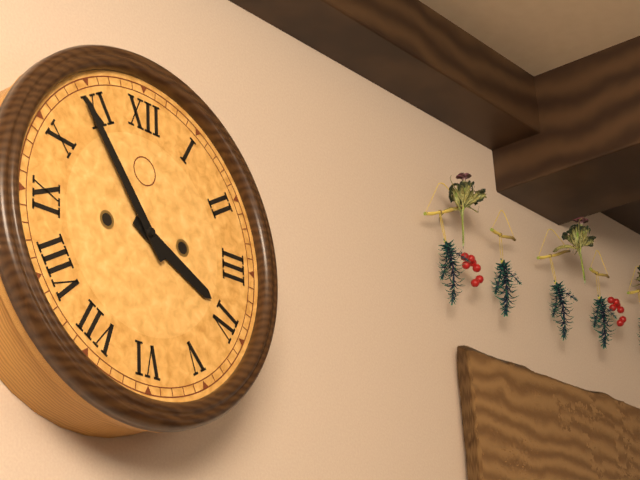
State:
3,54
